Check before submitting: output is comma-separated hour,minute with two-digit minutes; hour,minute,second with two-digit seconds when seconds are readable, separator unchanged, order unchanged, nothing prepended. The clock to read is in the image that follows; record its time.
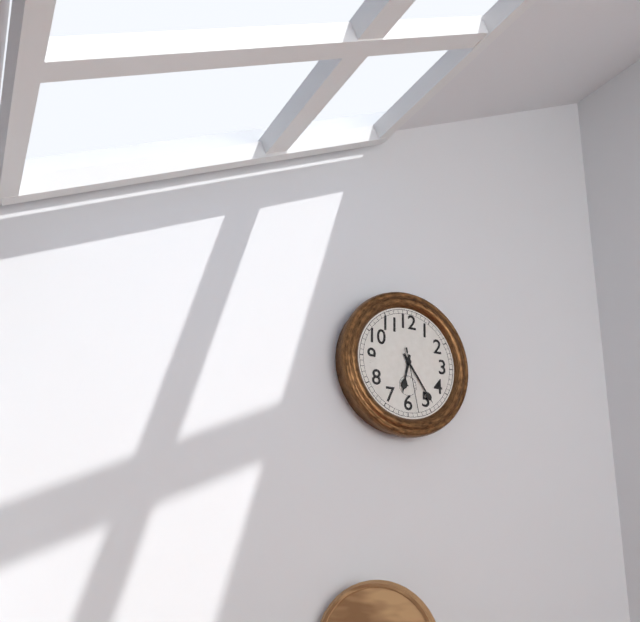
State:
6,24,28
